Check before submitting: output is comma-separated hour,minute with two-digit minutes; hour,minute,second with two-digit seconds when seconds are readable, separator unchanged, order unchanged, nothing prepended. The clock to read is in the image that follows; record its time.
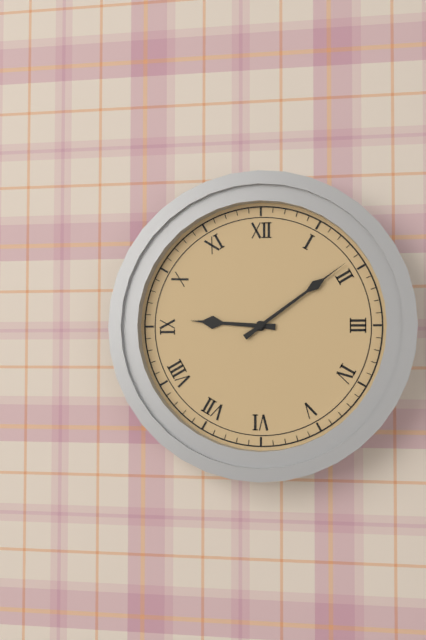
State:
9,09
